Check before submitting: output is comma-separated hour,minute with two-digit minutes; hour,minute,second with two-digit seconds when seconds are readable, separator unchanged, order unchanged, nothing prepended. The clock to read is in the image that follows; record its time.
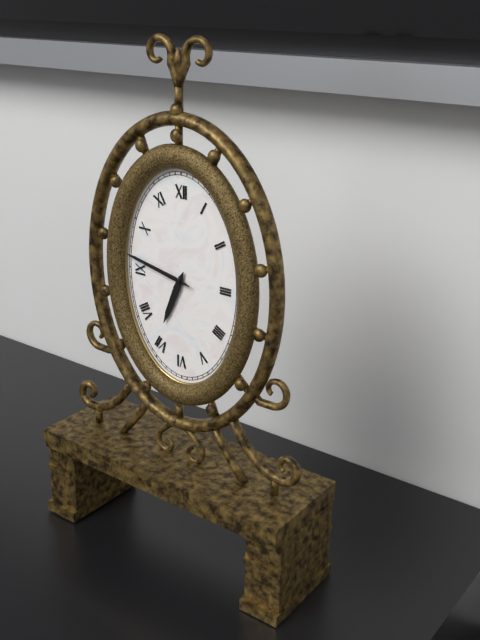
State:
6,47
